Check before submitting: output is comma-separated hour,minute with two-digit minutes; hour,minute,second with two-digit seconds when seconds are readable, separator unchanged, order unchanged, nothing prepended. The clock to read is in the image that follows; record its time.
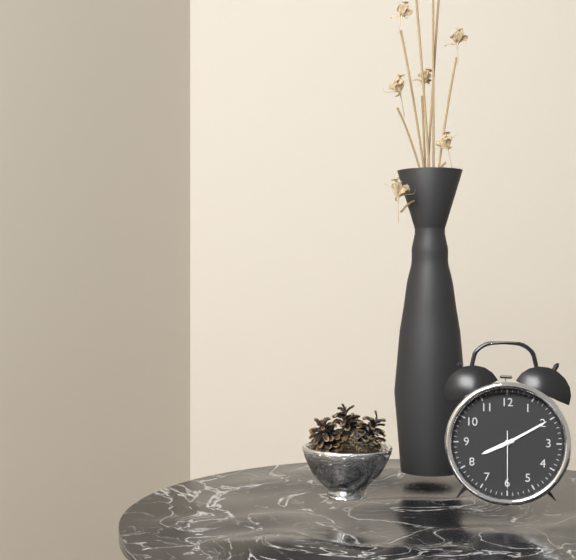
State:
8,10,30
